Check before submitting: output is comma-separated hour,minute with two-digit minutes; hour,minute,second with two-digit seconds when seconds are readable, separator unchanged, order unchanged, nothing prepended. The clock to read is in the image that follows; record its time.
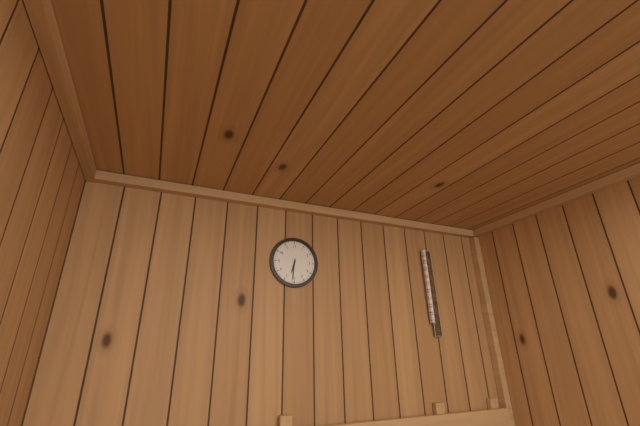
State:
6,31
